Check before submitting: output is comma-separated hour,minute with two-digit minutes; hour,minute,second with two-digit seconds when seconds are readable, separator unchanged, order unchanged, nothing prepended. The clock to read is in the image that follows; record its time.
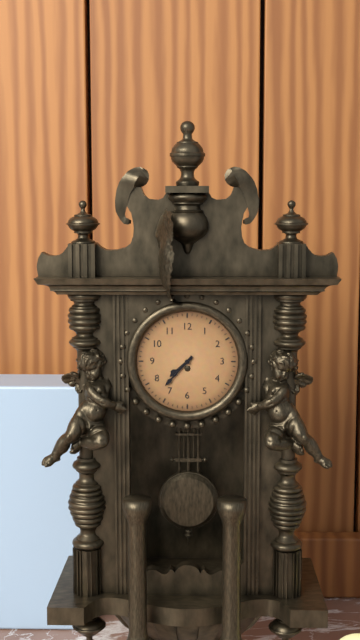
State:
7,37
